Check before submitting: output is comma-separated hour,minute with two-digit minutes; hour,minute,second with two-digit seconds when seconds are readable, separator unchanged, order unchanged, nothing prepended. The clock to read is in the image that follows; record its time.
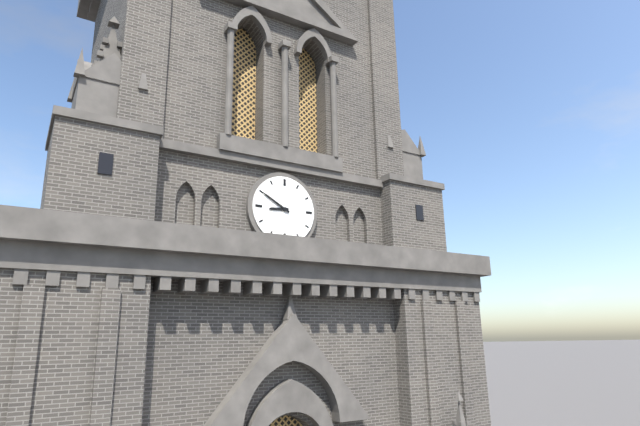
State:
8,50
